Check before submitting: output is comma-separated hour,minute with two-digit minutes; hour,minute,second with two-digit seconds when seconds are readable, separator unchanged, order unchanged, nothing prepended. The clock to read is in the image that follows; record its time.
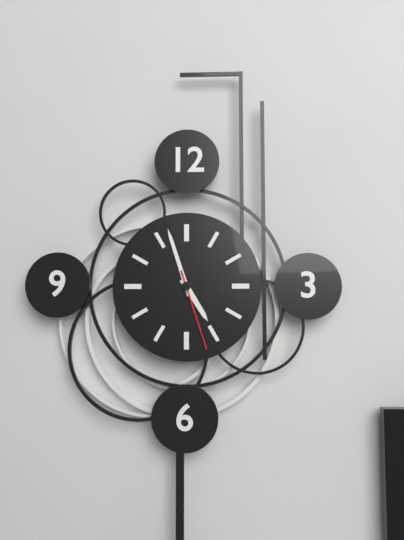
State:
4,57,27
